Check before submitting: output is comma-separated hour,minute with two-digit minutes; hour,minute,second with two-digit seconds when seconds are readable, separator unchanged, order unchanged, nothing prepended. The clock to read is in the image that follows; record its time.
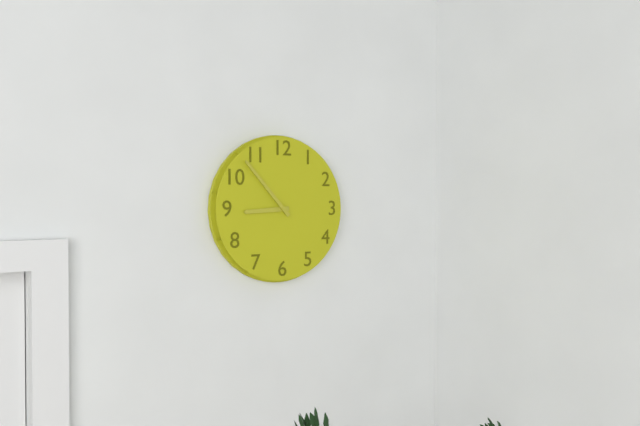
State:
8,53
